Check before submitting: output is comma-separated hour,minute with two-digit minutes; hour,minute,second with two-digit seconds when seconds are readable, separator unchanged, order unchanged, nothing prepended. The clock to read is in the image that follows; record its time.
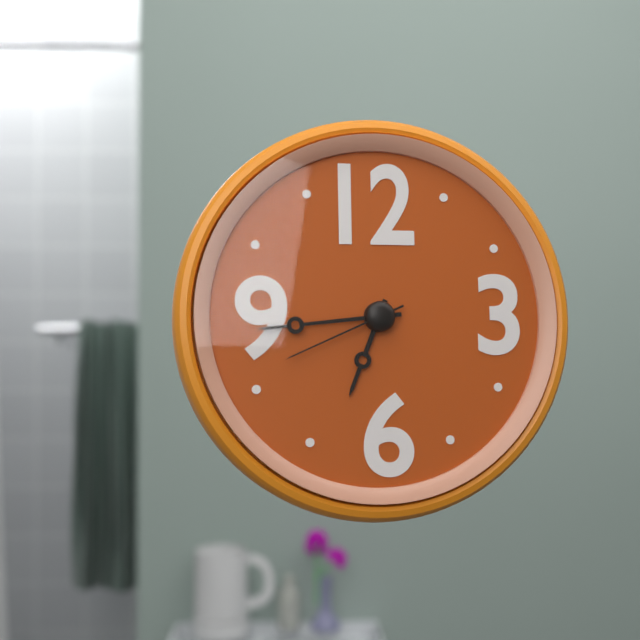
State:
6,44,41
